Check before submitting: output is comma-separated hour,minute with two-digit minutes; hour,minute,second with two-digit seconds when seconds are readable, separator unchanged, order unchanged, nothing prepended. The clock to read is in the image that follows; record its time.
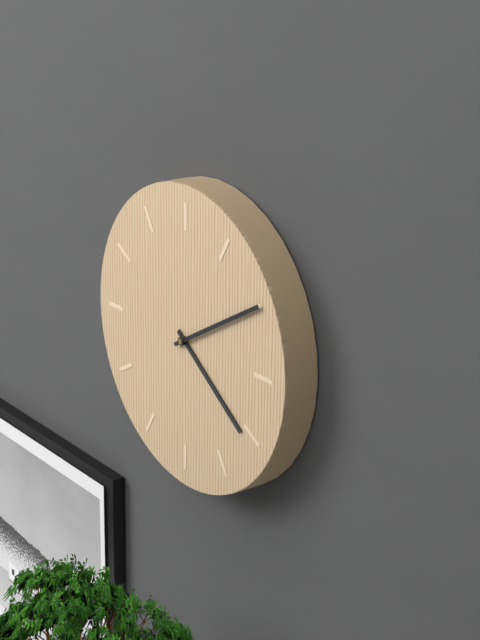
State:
4,10
